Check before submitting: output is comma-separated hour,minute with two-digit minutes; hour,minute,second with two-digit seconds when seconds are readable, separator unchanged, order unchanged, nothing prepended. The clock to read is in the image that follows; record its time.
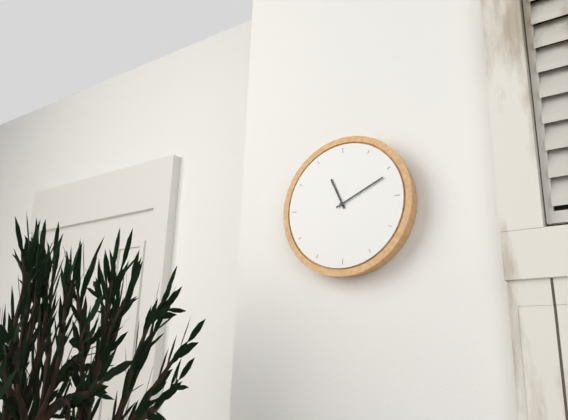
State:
11,11
